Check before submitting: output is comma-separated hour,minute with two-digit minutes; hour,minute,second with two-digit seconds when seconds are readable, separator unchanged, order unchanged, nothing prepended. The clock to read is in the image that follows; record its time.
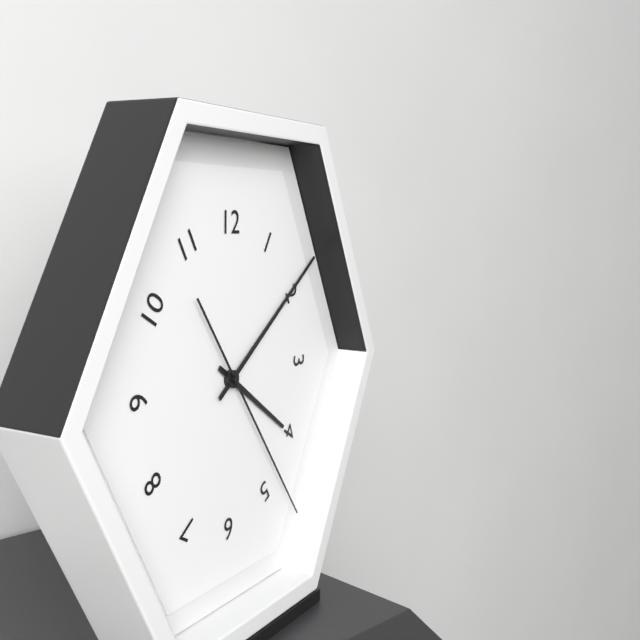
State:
4,09,24
